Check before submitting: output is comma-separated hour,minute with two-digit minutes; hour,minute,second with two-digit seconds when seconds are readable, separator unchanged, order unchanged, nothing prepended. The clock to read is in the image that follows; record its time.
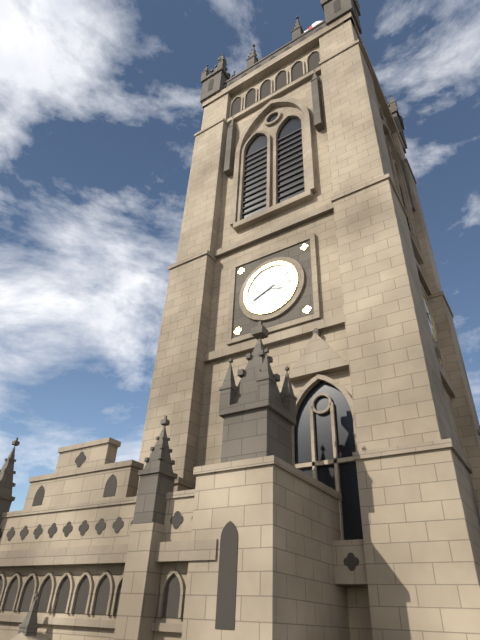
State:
3,41
